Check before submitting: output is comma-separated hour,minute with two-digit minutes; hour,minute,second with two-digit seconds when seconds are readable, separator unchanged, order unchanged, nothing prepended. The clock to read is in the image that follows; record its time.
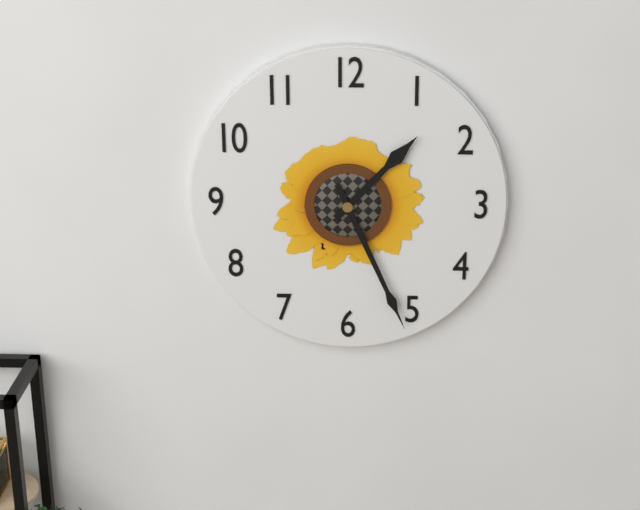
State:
1,26
